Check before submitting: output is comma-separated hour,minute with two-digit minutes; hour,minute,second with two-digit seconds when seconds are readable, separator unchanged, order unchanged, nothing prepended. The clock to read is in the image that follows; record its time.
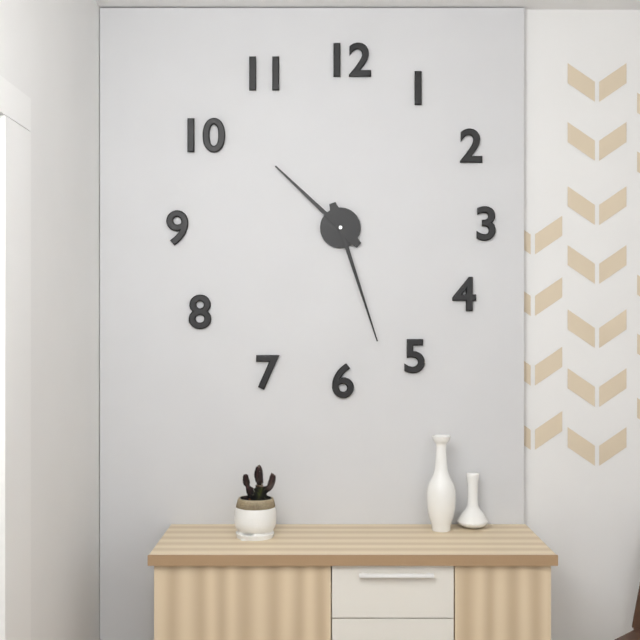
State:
10,27
